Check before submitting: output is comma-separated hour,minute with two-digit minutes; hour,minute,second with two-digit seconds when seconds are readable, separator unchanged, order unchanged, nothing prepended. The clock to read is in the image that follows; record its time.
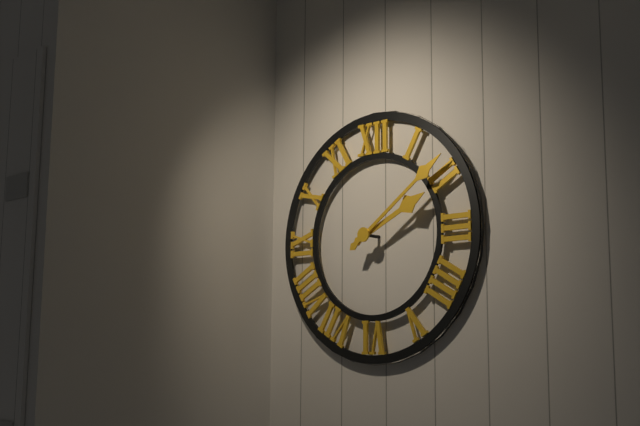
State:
2,09
